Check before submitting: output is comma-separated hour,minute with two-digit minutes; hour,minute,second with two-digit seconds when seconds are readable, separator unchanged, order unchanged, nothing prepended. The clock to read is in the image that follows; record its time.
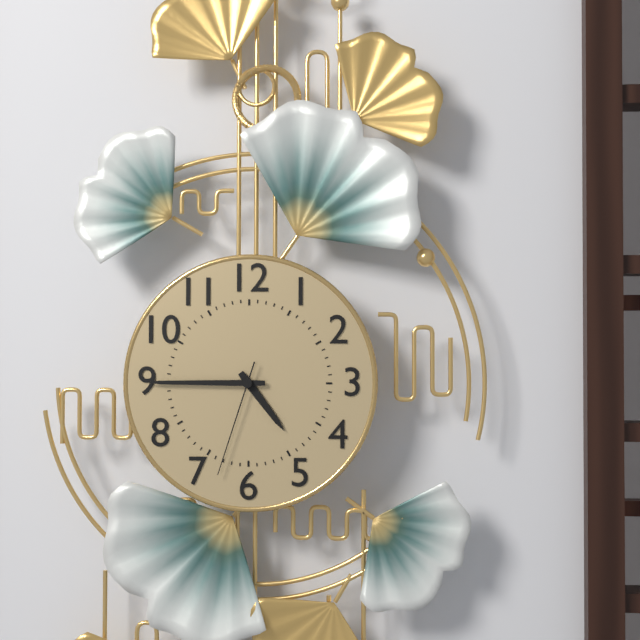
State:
4,45,33
